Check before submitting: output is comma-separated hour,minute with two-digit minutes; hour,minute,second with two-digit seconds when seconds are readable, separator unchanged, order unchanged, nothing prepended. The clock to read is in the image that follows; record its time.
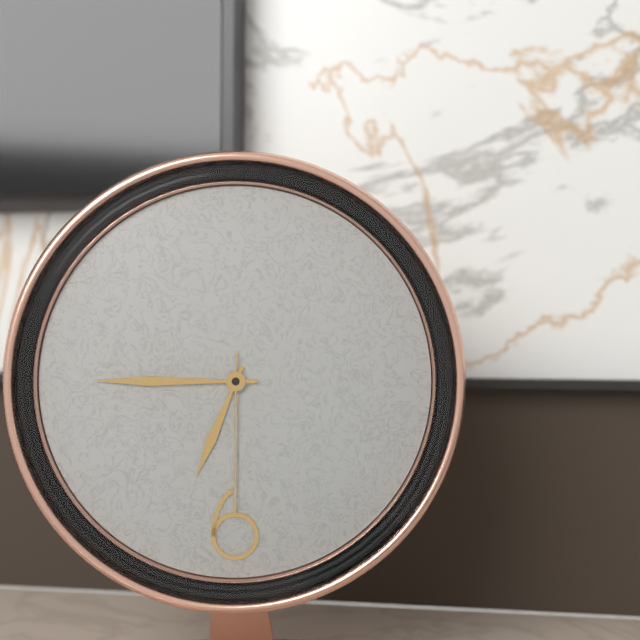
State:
6,45,30
